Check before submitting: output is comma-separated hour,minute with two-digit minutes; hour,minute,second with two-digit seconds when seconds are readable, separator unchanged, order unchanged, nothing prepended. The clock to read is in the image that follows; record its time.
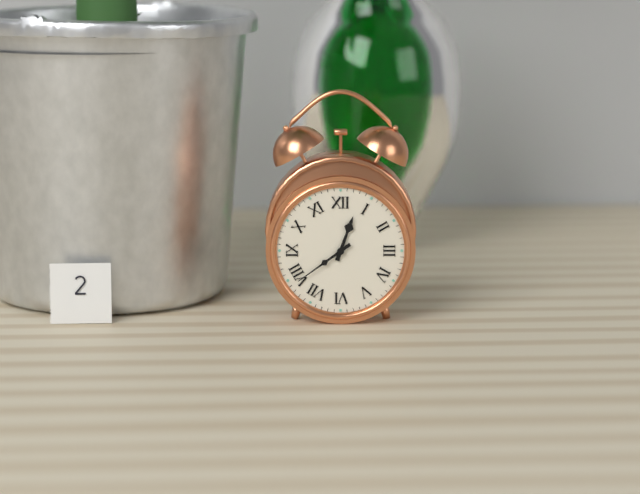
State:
12,39
